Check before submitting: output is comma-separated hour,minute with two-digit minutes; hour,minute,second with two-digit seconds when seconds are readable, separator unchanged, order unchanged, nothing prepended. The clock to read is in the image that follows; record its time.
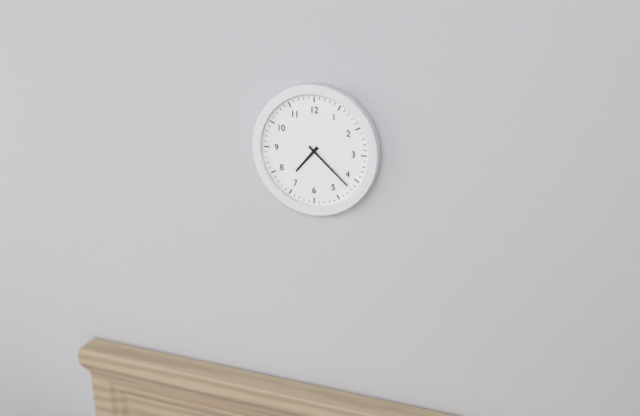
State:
7,22
